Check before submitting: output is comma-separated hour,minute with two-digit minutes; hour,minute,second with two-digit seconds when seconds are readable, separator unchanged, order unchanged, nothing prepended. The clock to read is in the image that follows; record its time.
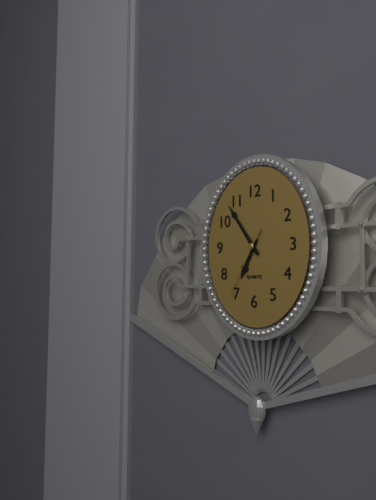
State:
6,54,35
